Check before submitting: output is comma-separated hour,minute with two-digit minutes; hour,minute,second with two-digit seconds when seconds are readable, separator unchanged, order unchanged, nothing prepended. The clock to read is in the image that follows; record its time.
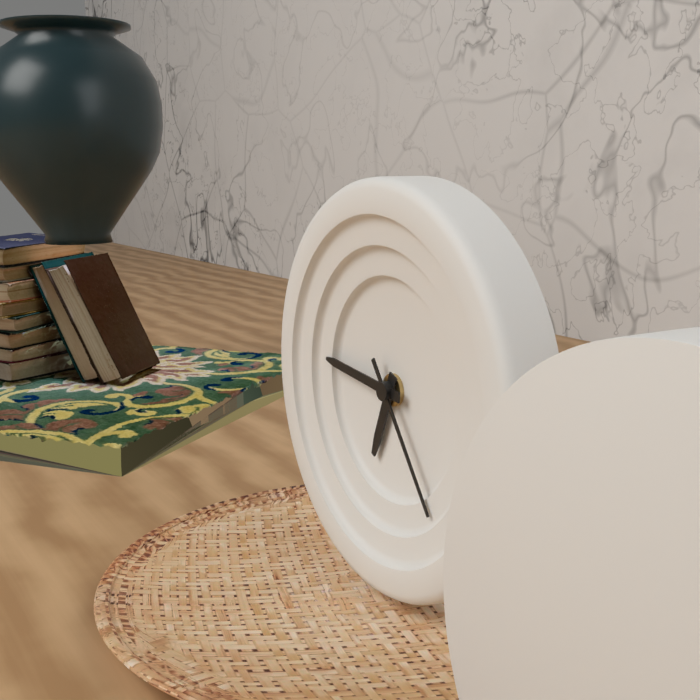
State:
6,46,24
